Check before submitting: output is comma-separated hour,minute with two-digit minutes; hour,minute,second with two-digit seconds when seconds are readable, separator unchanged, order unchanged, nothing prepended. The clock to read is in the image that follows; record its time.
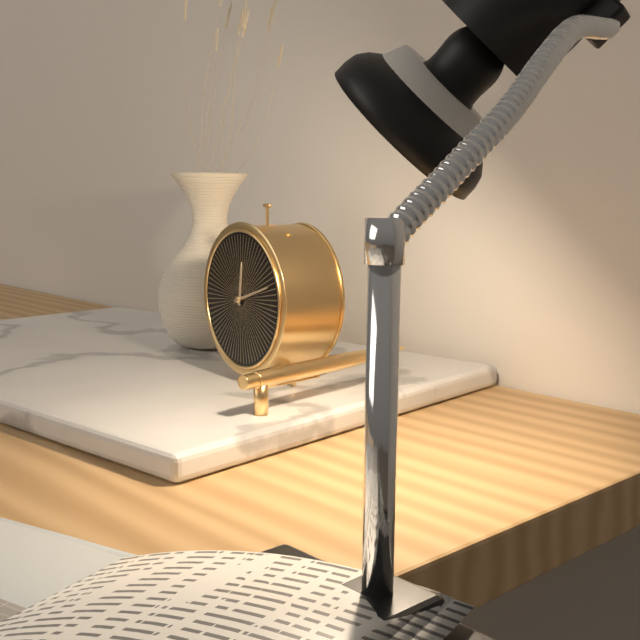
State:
12,12
